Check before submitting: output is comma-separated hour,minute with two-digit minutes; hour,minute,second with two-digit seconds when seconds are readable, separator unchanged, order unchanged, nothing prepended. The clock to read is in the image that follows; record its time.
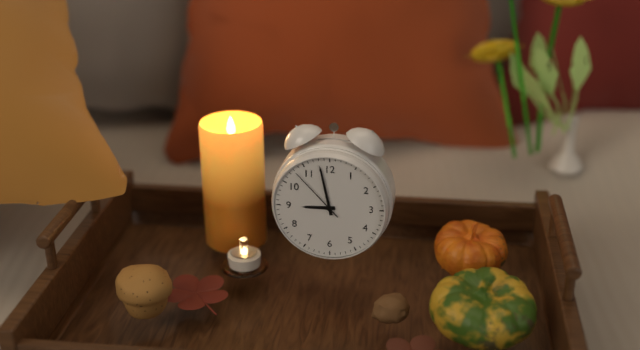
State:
8,58,53
